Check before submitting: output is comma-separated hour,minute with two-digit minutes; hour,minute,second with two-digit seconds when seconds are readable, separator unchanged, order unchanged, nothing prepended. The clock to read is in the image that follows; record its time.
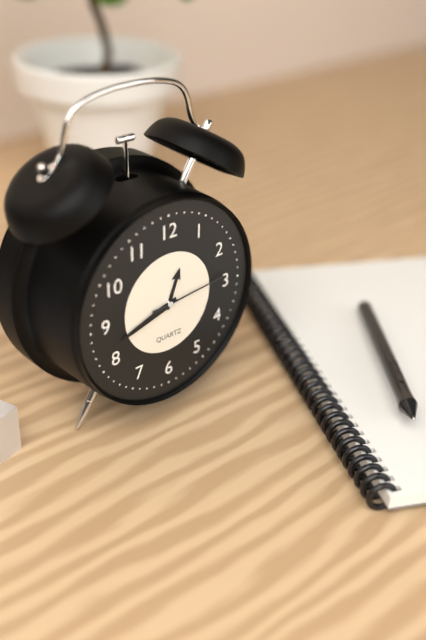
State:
12,42,14
